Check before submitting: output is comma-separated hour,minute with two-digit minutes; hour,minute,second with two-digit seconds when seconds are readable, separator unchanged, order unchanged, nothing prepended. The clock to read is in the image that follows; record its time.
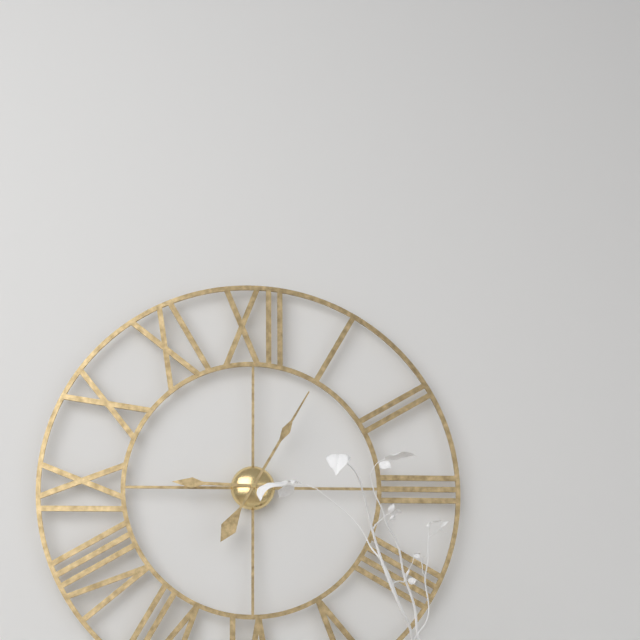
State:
9,05
